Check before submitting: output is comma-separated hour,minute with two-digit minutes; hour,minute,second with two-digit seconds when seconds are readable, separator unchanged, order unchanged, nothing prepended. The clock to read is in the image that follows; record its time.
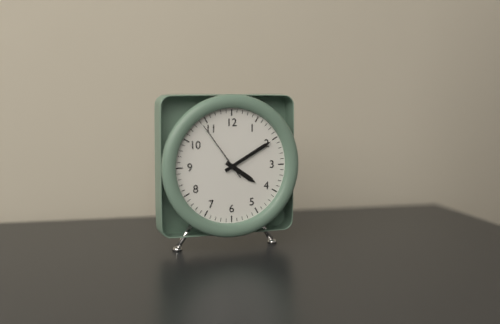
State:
4,10,54
